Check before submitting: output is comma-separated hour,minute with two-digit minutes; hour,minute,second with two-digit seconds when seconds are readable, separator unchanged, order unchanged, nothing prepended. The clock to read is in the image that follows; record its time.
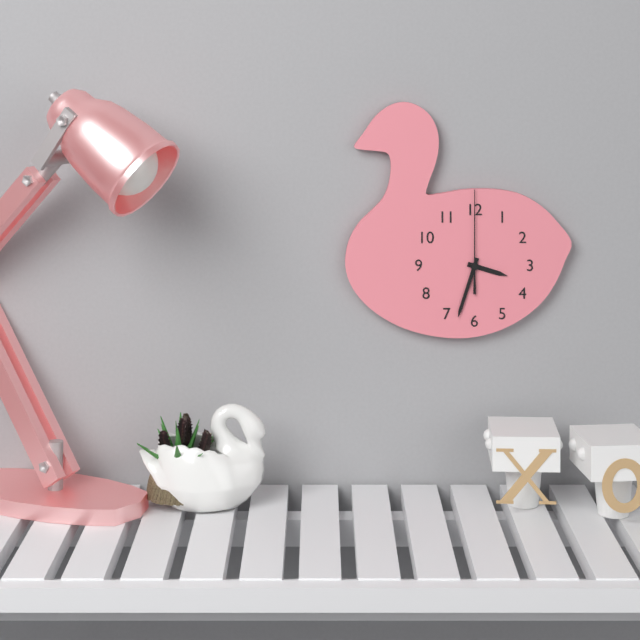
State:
3,33,00
